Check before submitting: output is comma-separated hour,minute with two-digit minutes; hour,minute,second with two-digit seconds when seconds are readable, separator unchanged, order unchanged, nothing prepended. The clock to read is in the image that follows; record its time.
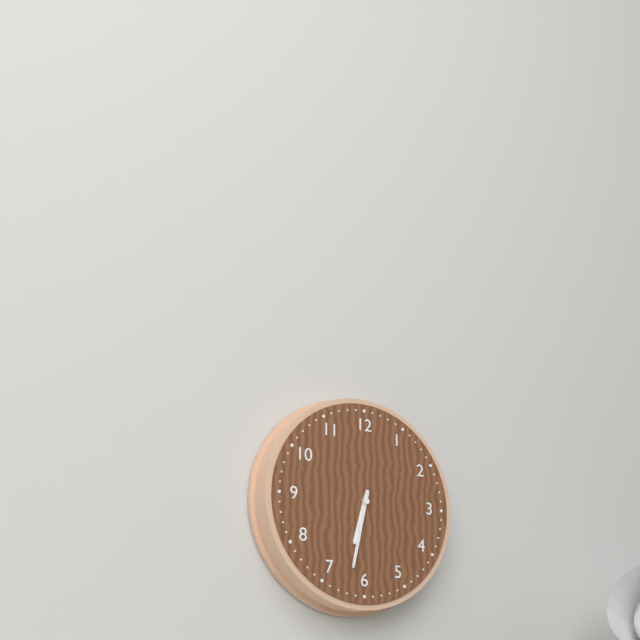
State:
6,32
